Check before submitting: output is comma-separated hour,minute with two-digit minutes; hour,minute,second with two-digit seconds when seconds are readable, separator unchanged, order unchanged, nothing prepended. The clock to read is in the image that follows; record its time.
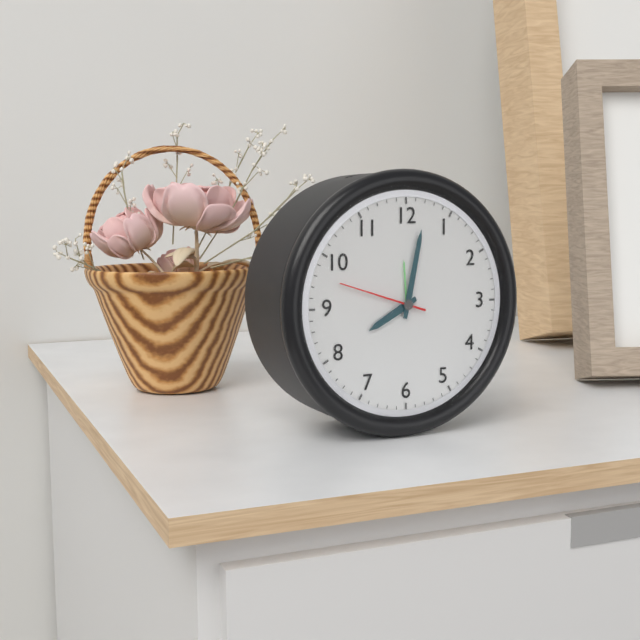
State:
8,02,48
